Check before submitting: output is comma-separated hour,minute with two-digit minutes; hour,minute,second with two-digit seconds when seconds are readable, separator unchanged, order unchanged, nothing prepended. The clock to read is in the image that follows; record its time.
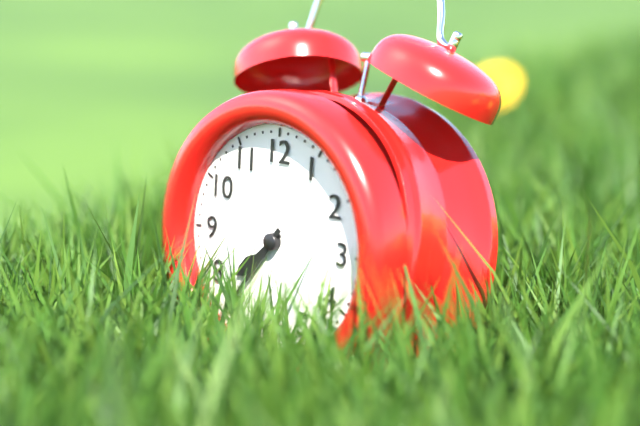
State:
7,36
